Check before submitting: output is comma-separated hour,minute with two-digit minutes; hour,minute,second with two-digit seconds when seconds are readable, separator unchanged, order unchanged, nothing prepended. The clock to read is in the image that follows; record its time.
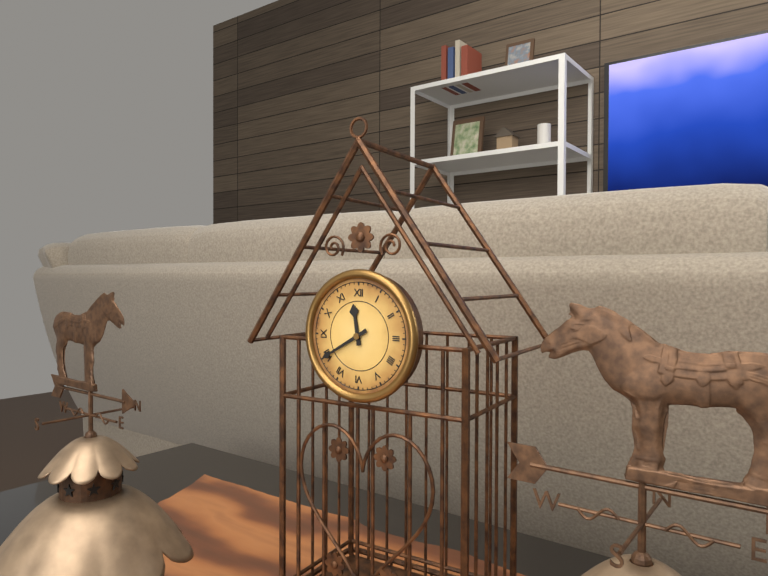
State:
11,40
